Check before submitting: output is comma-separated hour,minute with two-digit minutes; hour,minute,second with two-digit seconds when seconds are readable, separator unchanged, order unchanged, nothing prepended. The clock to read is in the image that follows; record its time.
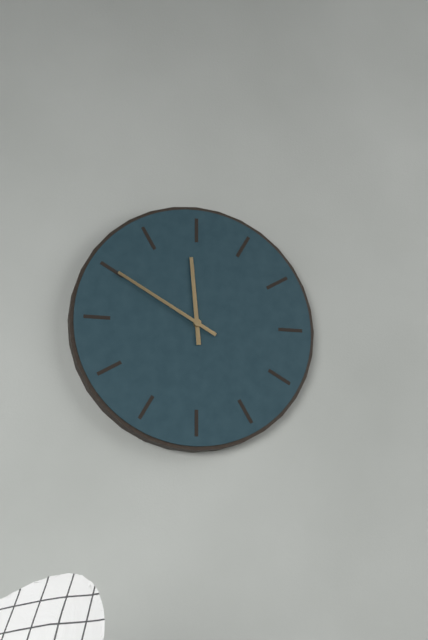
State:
11,50
